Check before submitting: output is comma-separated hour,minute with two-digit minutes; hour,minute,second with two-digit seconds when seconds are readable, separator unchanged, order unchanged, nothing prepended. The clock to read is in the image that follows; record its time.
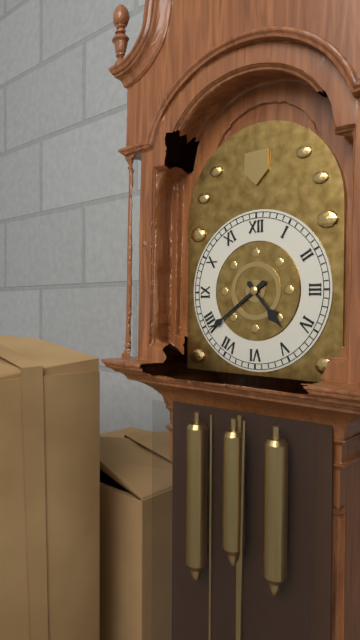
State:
4,39
